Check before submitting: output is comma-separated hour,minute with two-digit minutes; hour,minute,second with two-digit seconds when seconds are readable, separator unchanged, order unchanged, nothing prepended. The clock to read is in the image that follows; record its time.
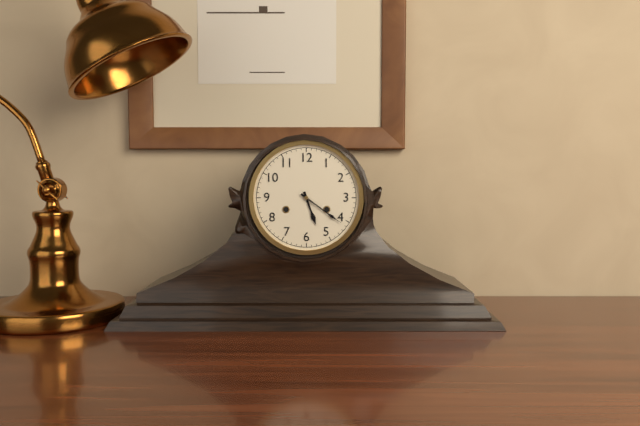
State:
5,21
